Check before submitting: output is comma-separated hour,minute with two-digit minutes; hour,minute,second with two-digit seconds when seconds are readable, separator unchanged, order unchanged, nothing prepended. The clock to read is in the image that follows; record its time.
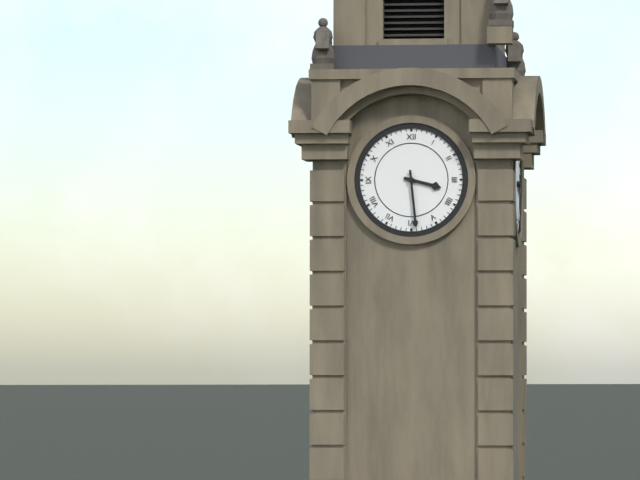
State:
3,29
